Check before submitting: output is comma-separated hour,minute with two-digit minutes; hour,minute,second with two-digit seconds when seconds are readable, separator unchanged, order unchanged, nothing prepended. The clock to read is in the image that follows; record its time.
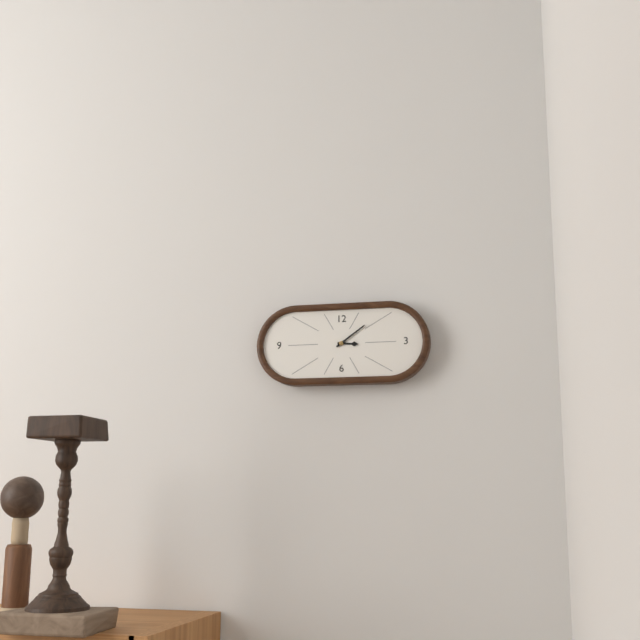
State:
3,09
